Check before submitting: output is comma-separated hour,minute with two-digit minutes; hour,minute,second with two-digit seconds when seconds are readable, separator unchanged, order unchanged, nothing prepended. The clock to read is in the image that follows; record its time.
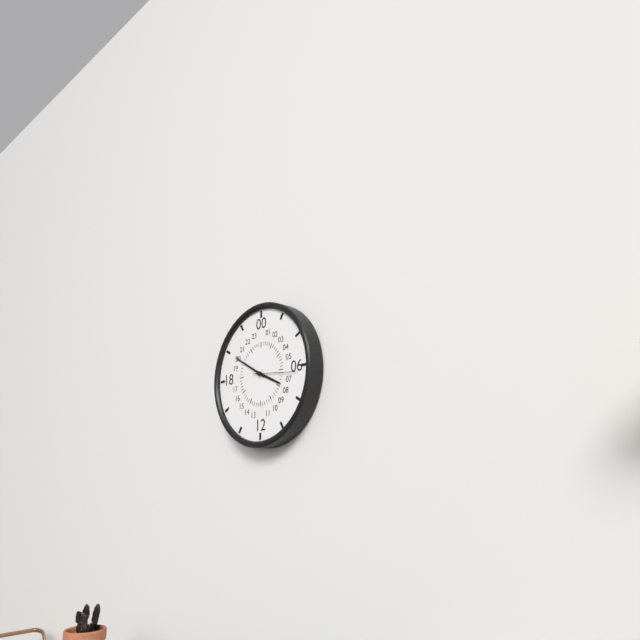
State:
3,50
